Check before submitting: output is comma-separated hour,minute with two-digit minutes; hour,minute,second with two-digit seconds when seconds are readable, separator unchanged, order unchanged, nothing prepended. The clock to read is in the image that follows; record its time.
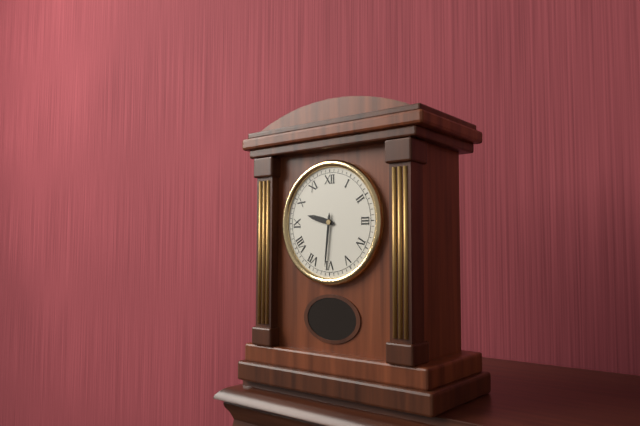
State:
9,31
